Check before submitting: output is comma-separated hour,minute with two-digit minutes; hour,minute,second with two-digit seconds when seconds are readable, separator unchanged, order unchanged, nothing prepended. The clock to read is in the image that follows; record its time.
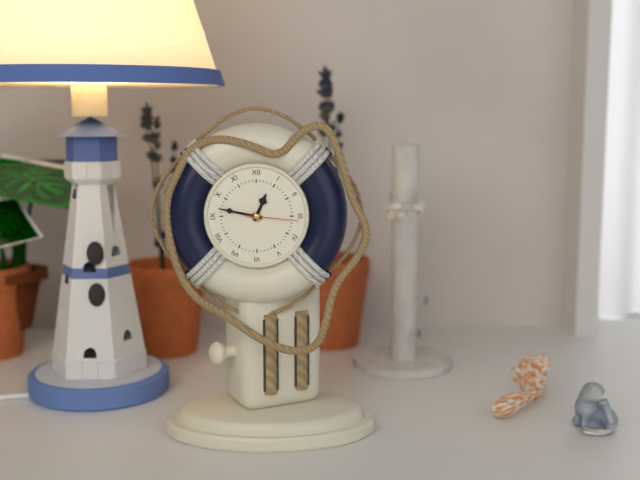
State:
12,47,16
